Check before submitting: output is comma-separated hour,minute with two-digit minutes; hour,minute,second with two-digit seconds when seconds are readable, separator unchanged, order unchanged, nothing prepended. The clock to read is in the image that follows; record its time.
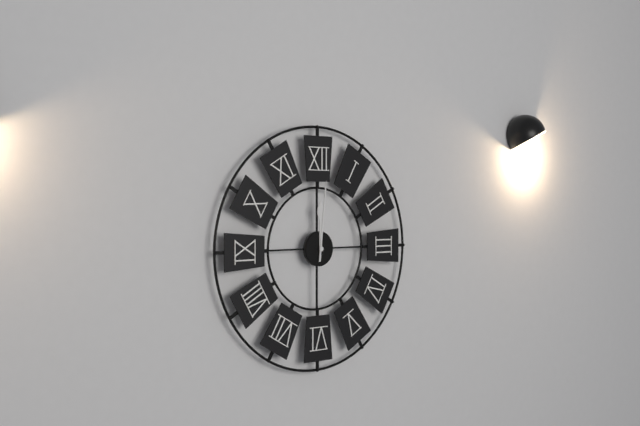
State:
12,01
